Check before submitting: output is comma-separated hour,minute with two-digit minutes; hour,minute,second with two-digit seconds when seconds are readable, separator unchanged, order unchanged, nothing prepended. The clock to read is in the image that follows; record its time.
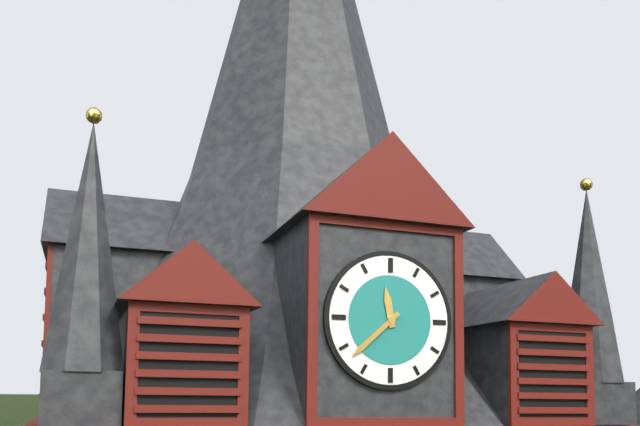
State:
11,38
